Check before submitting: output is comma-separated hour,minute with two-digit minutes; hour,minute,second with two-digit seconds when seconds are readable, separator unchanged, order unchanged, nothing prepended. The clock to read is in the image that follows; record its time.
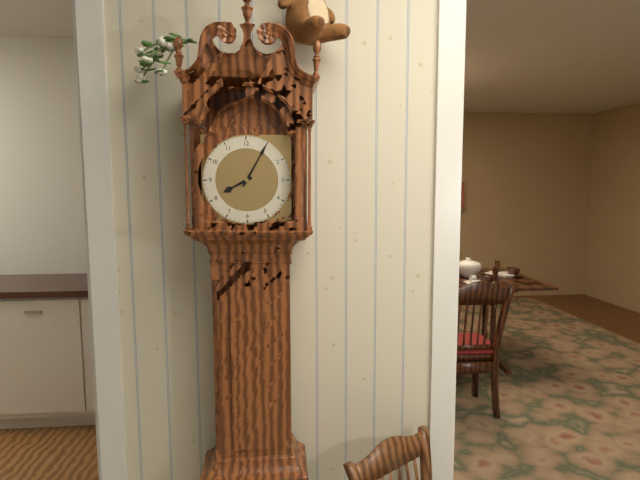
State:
8,05
